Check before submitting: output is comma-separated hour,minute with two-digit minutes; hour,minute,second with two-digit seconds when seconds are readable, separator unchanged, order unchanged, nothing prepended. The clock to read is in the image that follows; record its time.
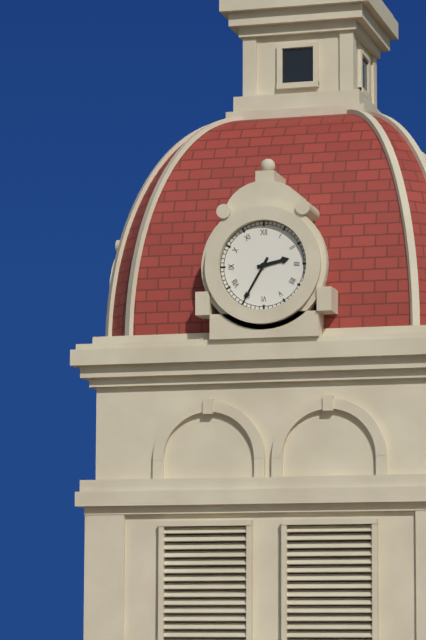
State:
2,35
